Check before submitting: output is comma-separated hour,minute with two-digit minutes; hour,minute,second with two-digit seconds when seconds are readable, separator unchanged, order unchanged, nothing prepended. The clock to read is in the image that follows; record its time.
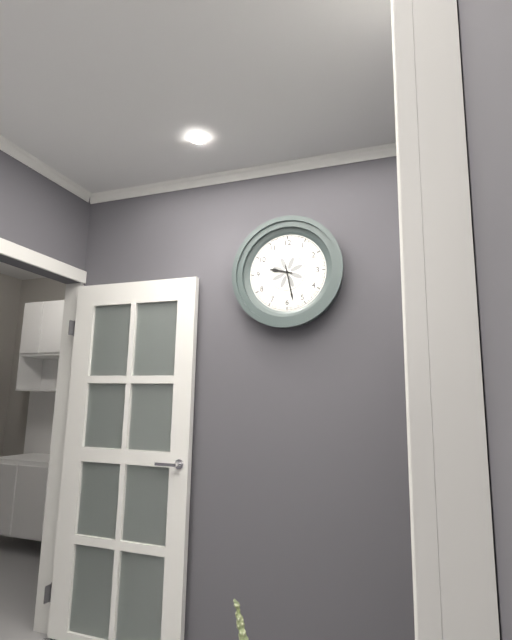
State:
9,28
